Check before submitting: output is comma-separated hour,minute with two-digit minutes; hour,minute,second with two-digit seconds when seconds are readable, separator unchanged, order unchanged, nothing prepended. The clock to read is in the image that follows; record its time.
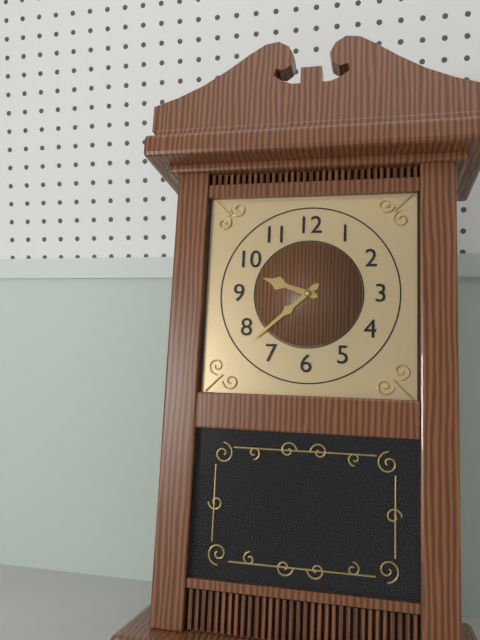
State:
9,38
